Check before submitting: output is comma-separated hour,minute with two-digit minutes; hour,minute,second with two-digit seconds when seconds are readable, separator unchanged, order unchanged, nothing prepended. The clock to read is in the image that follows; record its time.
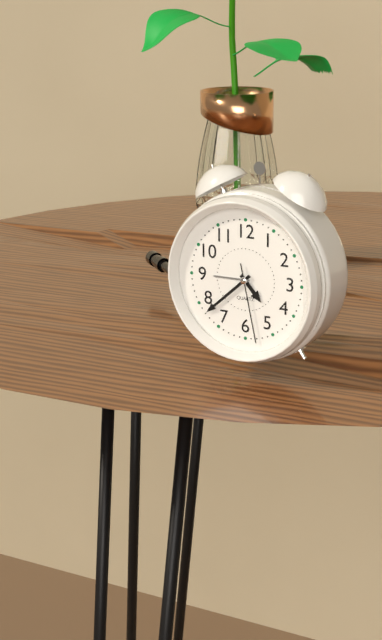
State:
4,38,28
